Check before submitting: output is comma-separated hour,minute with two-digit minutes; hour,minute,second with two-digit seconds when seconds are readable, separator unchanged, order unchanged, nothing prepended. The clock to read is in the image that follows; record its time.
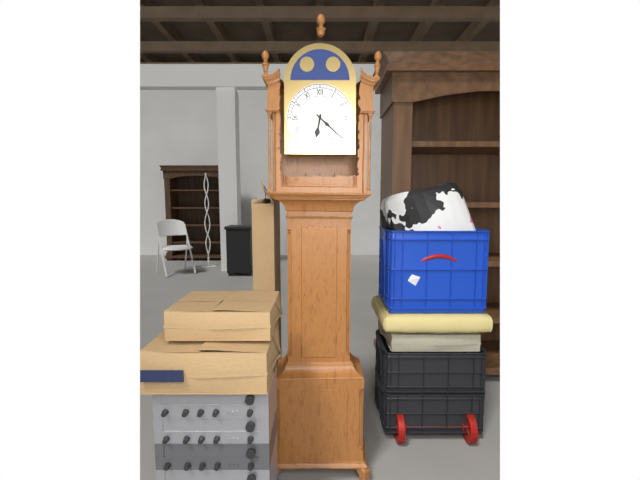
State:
6,22
